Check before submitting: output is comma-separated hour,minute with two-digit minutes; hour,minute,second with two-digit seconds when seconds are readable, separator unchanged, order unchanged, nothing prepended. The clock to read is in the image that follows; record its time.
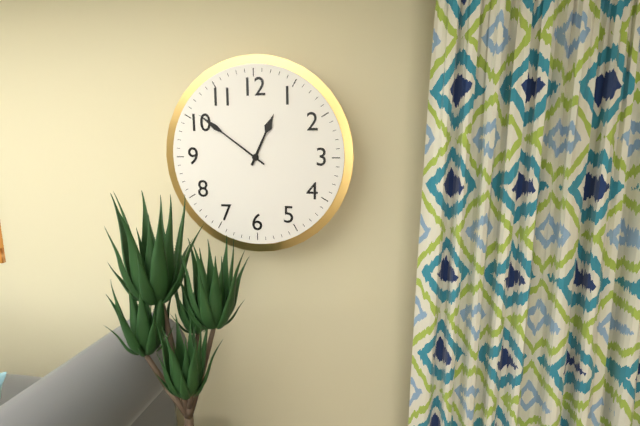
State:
12,51
